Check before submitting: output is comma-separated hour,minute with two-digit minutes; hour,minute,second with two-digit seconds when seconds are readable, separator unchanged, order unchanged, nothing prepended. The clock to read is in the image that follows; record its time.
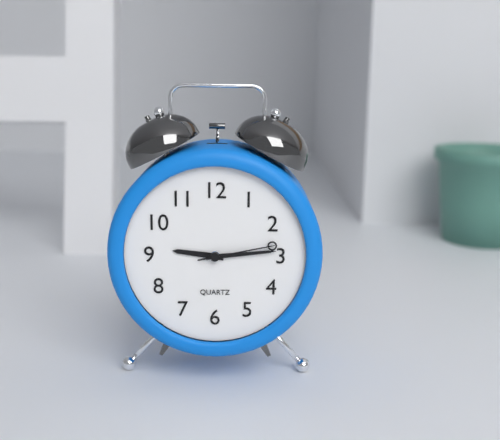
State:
9,14,13
